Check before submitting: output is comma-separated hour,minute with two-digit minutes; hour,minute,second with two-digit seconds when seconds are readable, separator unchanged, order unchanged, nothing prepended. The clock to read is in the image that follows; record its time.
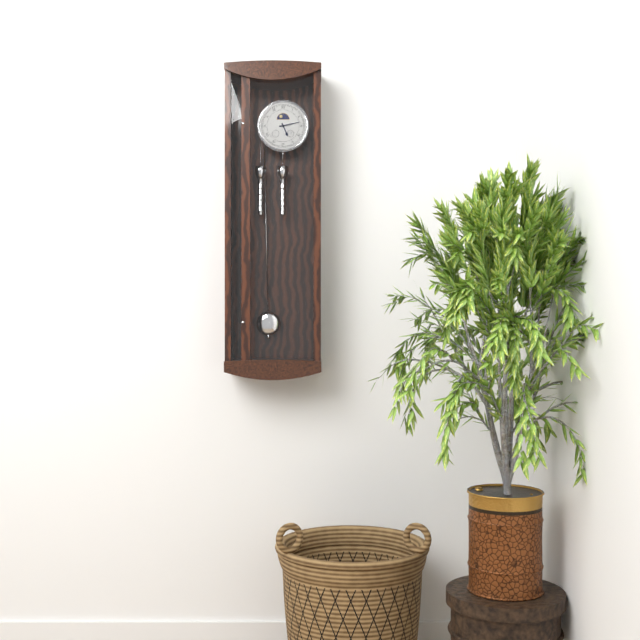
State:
5,13
